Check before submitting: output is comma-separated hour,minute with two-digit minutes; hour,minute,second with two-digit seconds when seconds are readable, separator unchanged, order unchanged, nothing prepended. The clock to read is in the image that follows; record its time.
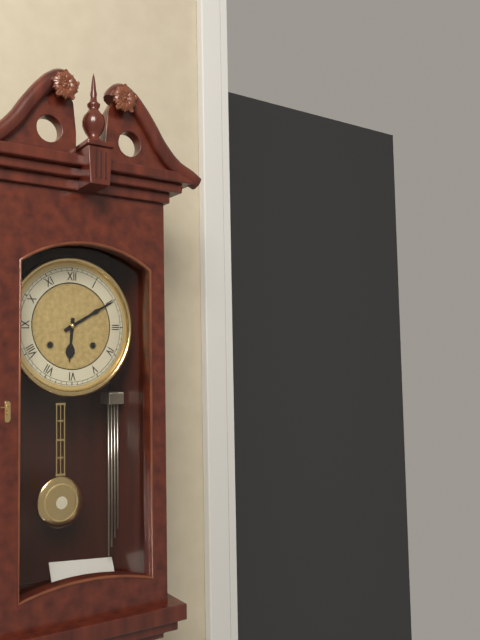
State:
6,10
